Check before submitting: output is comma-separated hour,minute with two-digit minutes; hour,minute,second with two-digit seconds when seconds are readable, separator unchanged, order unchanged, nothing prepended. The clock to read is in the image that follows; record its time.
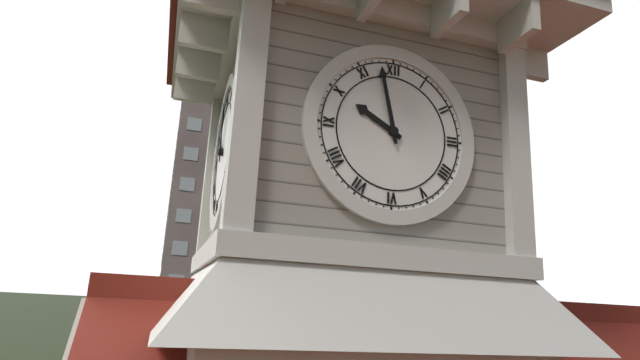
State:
9,58
